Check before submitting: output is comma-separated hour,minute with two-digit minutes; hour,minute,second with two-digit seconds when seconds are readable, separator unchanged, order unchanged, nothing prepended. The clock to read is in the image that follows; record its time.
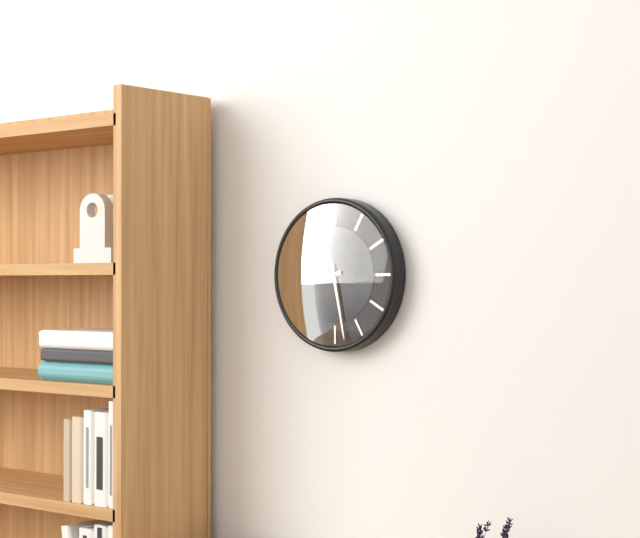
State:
8,28
